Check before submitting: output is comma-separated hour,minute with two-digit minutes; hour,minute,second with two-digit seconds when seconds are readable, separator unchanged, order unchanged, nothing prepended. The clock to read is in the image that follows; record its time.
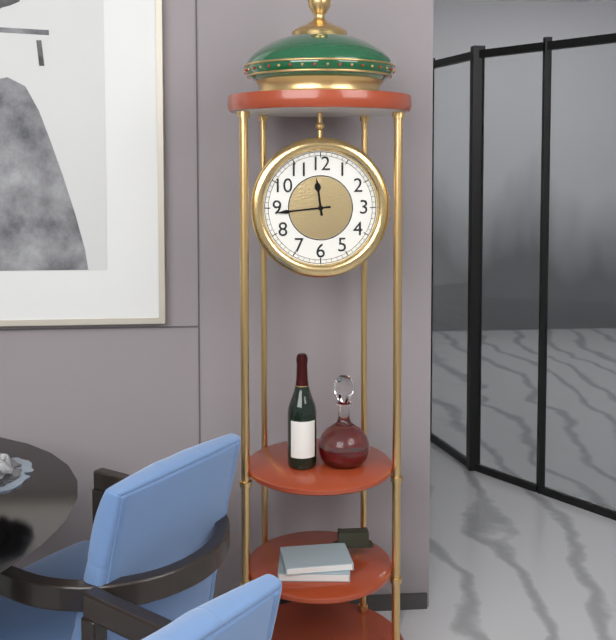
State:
11,44
